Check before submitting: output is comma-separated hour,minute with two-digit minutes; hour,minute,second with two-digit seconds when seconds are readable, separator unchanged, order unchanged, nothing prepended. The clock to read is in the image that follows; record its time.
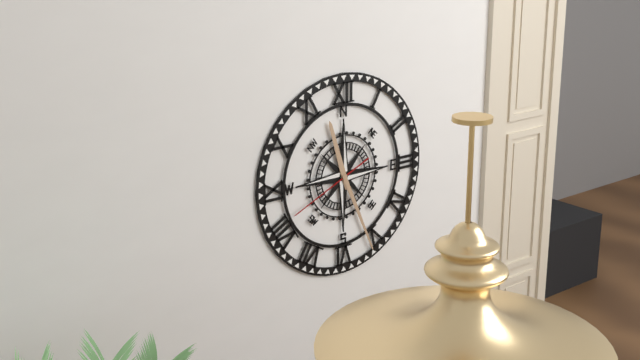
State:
11,26,41
